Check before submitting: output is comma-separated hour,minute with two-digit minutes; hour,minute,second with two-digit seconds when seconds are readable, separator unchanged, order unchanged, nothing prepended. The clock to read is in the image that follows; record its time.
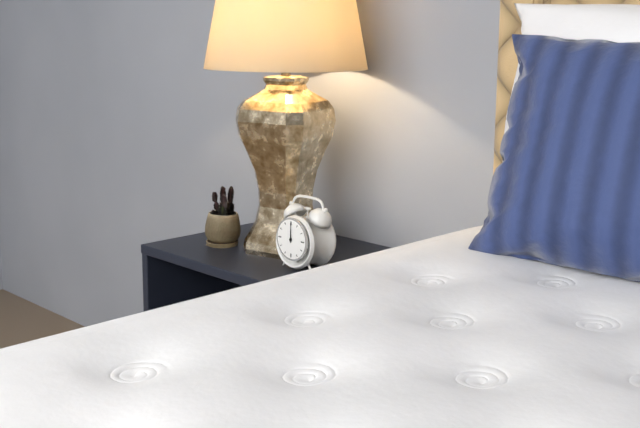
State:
12,00
